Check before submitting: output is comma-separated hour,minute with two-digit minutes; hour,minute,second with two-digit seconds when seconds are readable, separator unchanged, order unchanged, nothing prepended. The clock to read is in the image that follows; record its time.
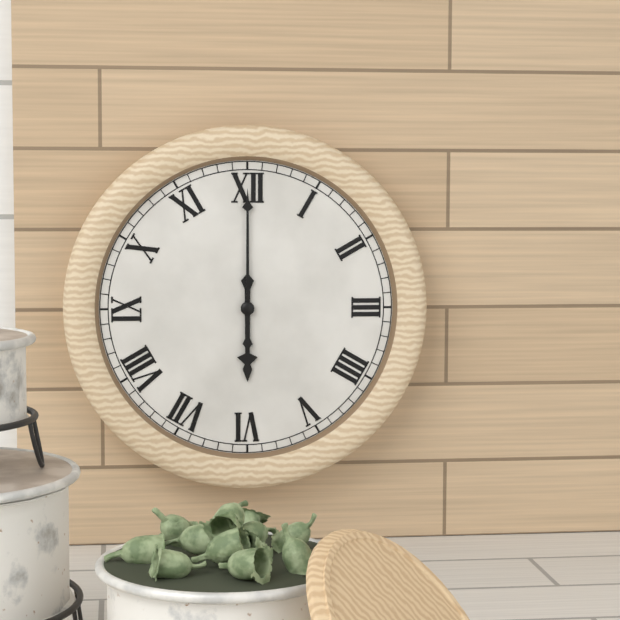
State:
6,00
